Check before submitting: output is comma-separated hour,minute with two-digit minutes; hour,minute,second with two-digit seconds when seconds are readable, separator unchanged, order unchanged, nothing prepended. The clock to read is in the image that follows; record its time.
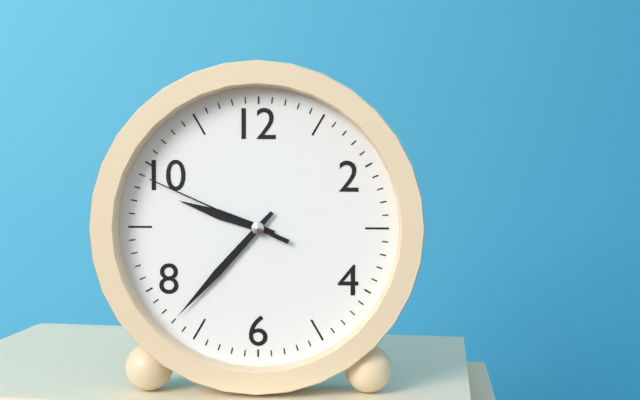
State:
9,37,49
